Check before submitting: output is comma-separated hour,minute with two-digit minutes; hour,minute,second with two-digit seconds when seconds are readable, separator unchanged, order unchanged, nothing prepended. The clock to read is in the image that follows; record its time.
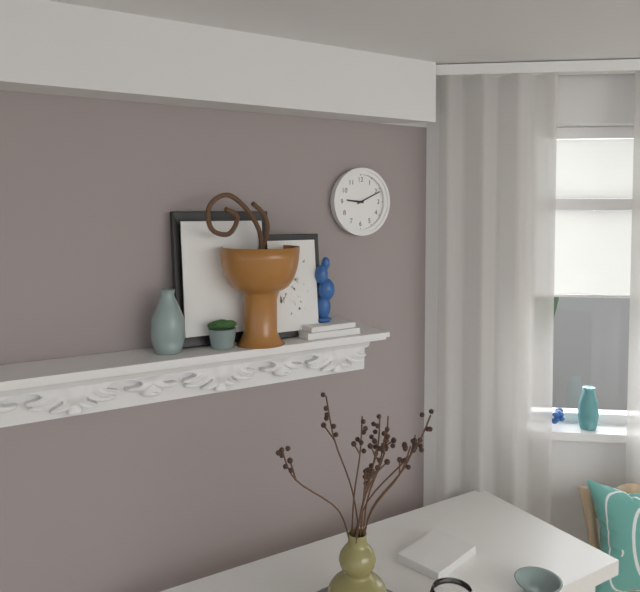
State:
9,11
